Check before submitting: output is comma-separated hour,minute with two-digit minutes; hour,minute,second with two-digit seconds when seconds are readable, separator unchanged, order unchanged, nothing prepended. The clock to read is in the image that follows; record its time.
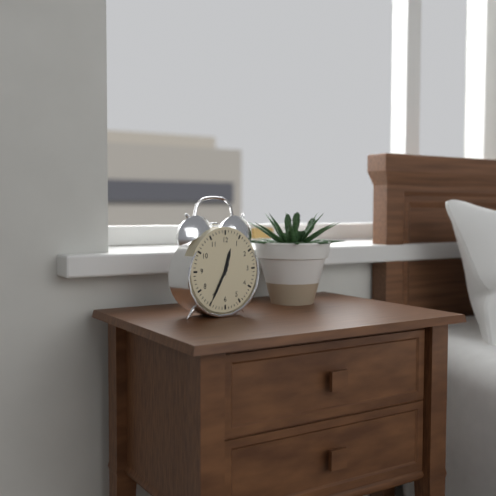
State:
12,35
